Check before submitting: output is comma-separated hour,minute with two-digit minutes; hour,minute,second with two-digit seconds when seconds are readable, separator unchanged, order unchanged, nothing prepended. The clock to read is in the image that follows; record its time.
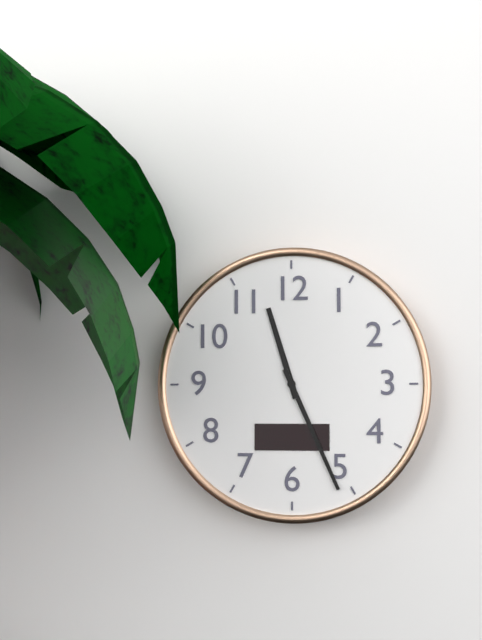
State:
11,26
